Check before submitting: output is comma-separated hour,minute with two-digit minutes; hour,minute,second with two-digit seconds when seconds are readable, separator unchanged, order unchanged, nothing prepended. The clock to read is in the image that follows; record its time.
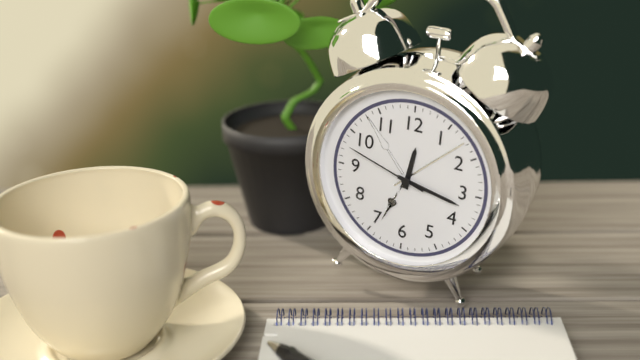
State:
12,17,48
